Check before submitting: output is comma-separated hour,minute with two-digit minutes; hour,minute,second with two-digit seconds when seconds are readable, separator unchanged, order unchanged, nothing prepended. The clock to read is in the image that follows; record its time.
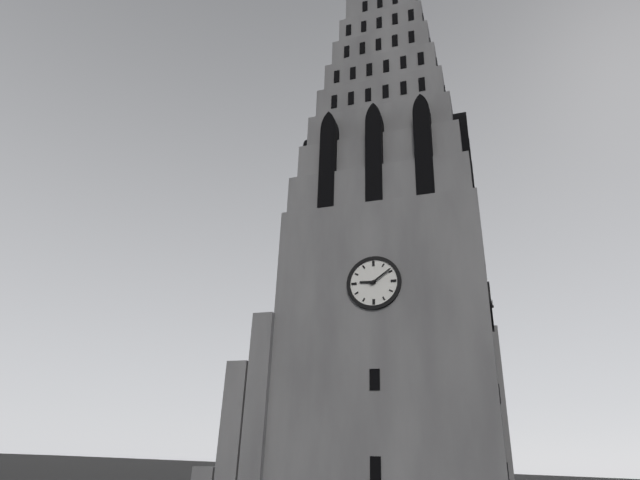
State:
9,09
